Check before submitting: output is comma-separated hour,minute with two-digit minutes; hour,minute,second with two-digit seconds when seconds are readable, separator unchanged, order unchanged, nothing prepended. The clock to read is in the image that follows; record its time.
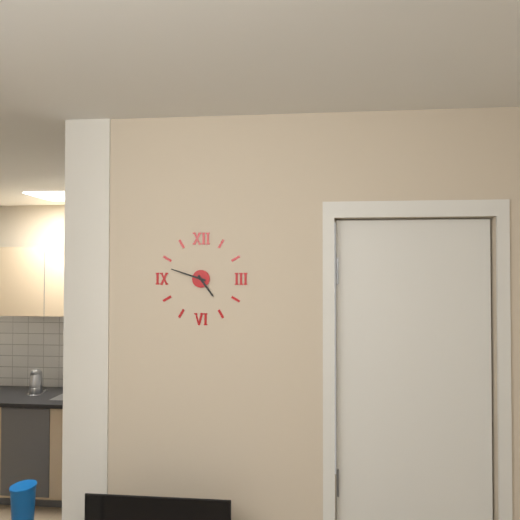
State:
4,48
